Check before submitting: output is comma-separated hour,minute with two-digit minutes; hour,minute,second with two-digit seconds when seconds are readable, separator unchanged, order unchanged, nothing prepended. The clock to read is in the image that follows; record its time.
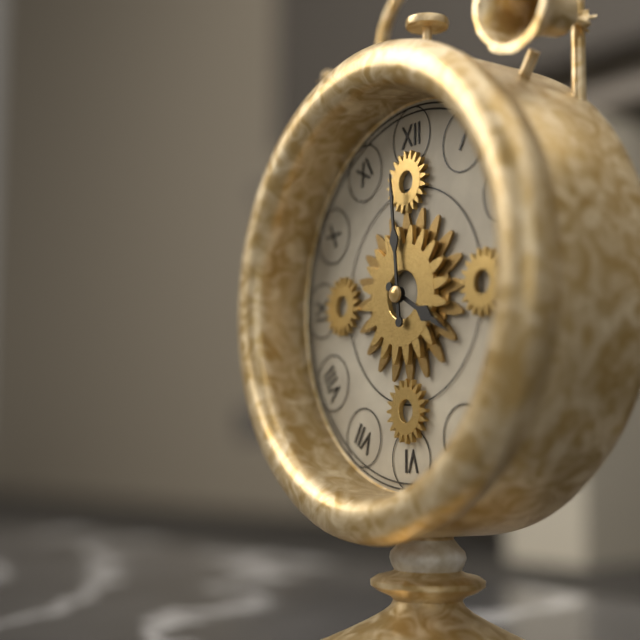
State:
3,59
